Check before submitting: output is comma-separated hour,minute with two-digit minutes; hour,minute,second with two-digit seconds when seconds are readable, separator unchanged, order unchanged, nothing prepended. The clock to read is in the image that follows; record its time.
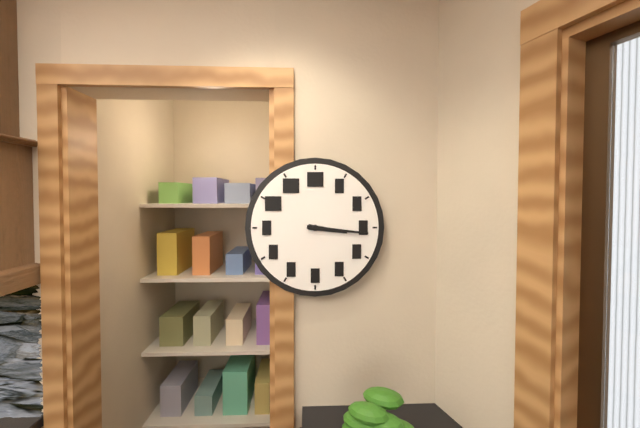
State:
3,16
